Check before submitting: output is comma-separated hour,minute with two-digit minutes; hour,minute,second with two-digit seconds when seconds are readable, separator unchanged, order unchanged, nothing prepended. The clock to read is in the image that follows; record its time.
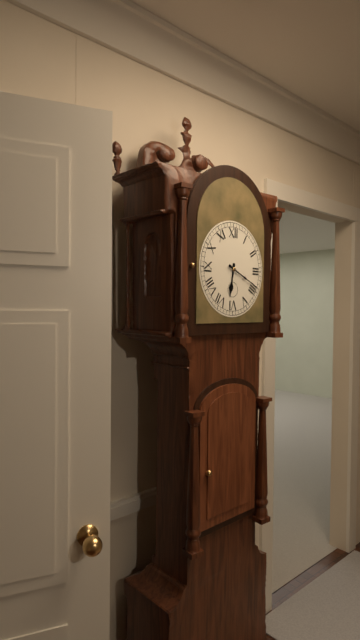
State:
6,19
